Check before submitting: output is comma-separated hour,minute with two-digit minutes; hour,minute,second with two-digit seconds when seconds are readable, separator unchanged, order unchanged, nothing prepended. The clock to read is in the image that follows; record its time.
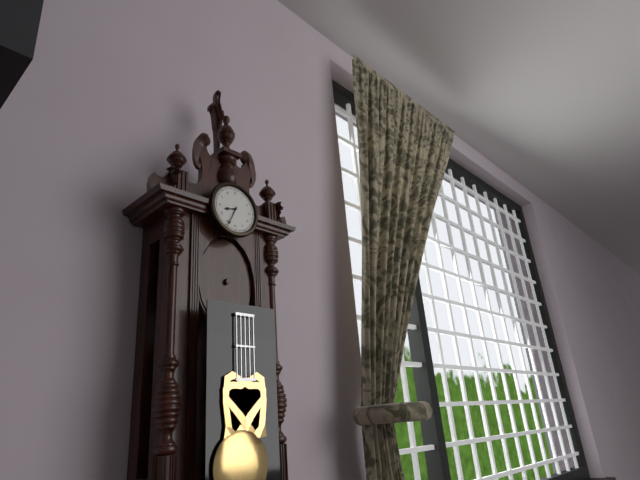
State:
8,34
